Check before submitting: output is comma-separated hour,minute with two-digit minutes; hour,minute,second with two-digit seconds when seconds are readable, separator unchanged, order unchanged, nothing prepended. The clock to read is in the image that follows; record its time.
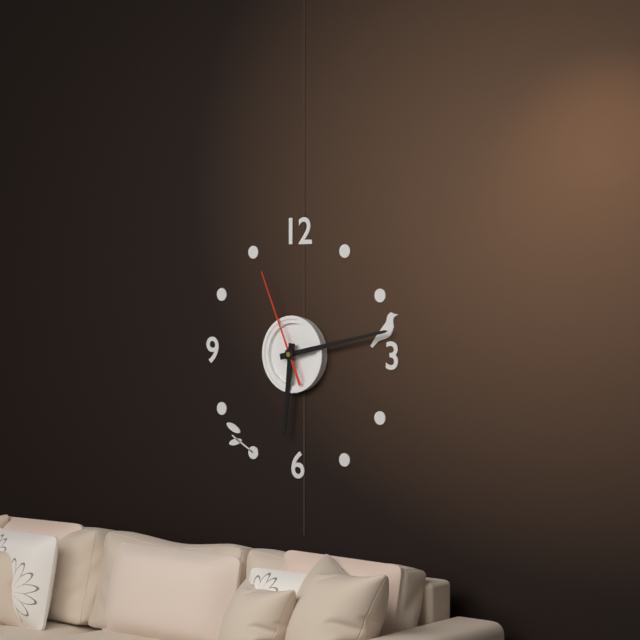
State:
6,13,56
